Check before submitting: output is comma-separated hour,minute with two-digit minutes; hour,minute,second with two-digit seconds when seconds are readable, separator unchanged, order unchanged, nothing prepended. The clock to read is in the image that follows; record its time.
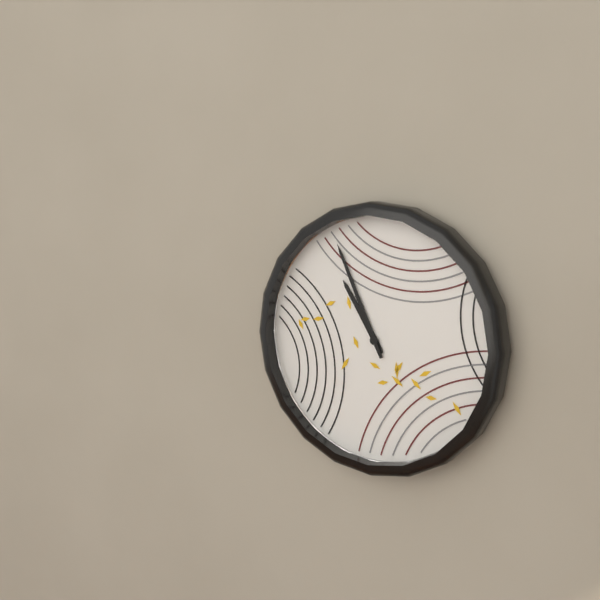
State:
10,56
